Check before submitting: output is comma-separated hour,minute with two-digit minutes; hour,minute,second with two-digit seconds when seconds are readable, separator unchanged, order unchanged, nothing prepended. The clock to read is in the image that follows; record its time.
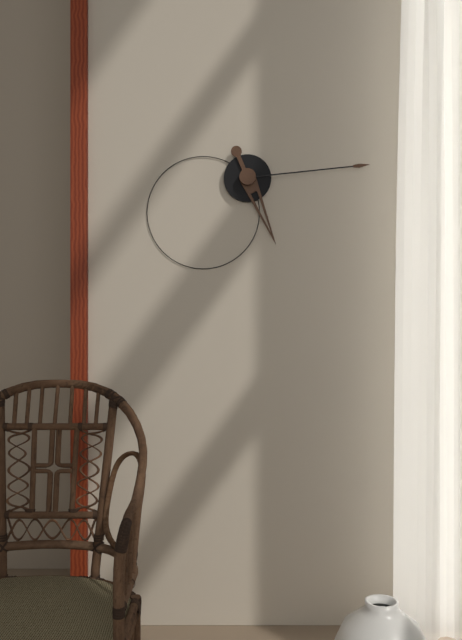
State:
5,14
